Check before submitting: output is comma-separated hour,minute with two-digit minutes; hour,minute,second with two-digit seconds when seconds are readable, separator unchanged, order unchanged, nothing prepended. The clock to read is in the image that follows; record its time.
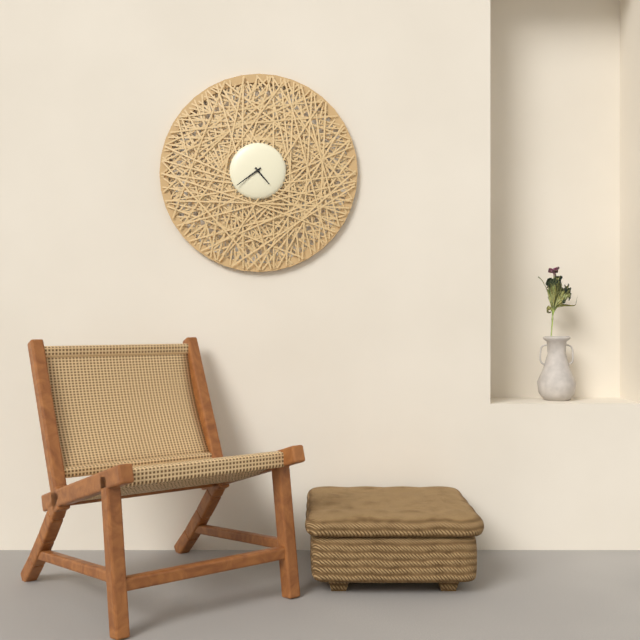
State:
4,39
